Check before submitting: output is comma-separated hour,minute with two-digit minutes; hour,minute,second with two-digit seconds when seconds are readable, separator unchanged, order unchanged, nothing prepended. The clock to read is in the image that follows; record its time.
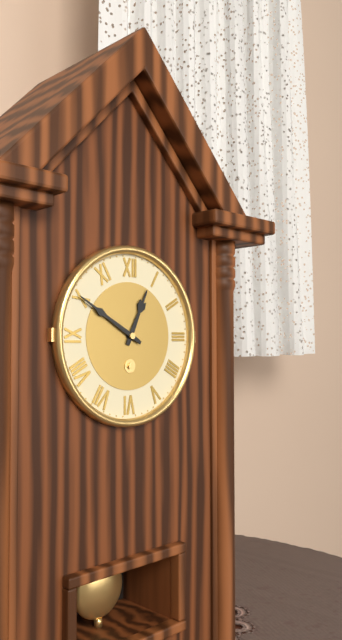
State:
12,50
